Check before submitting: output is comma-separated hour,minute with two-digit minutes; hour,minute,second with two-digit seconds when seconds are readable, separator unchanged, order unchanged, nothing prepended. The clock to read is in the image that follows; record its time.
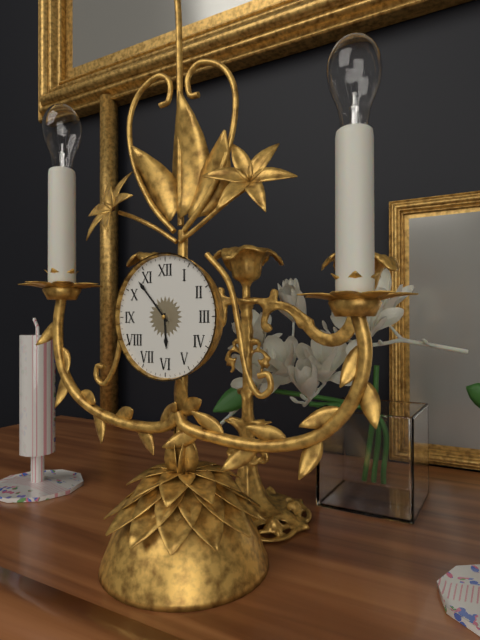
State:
5,53
